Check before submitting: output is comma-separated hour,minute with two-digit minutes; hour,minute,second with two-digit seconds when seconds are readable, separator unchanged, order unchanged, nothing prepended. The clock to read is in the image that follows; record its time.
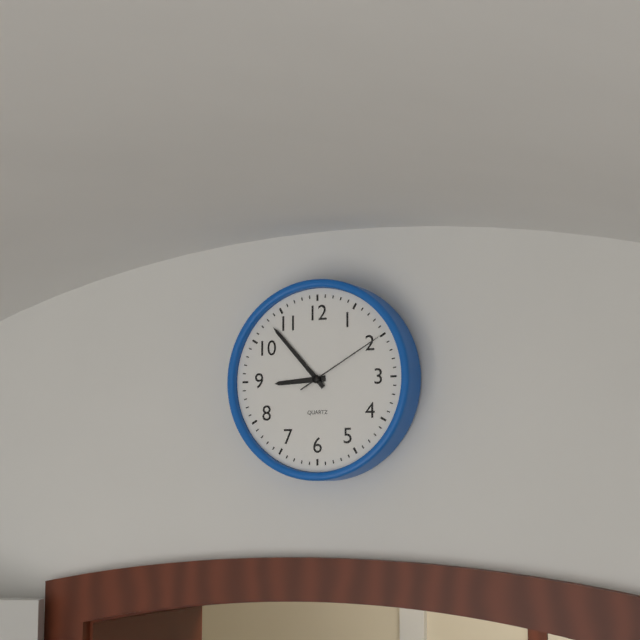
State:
8,53,10
